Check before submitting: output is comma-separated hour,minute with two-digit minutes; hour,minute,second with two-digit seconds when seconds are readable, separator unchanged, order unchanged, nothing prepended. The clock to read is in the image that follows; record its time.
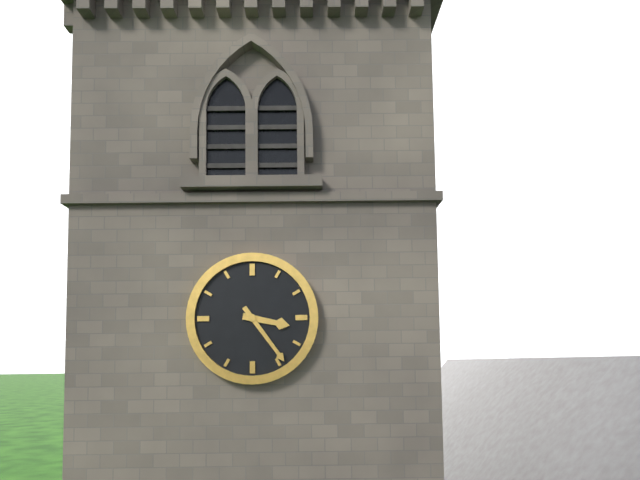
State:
3,24
